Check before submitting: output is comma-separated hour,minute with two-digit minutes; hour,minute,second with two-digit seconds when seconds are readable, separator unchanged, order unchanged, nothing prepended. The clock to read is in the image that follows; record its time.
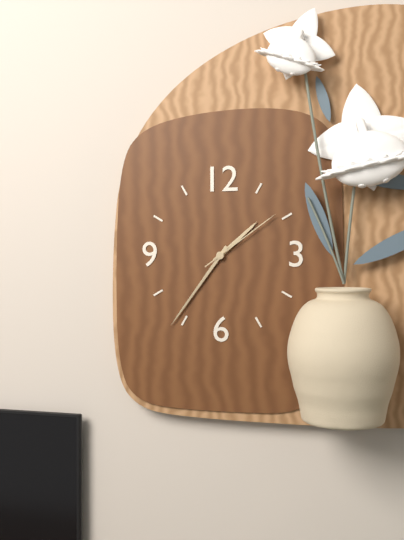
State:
1,36,09
